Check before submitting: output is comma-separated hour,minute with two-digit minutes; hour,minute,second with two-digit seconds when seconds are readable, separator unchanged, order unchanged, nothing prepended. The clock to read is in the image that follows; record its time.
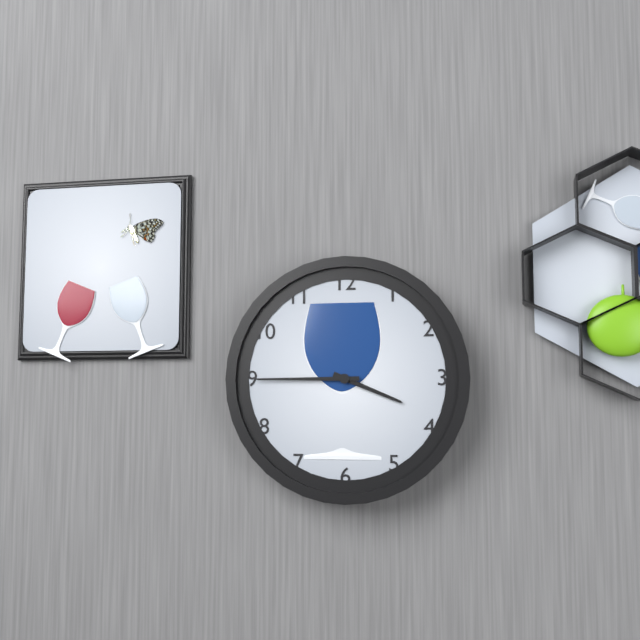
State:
3,45
